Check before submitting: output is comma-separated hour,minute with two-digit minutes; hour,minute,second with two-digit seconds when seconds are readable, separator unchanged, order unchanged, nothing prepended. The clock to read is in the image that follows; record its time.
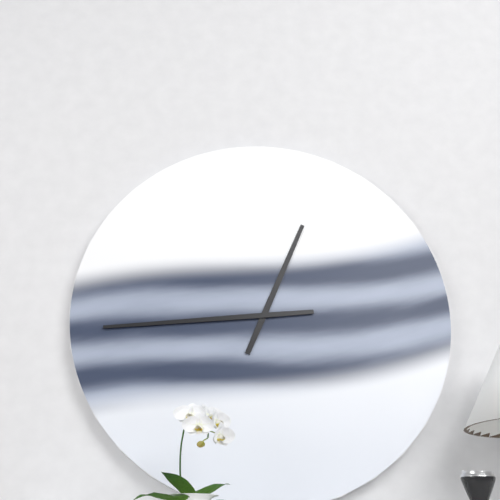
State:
12,44
